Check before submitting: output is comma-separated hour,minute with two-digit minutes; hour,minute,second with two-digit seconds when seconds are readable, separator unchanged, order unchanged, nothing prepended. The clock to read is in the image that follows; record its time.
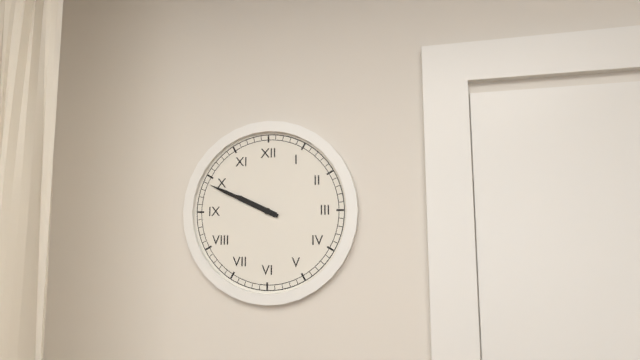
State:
9,49
